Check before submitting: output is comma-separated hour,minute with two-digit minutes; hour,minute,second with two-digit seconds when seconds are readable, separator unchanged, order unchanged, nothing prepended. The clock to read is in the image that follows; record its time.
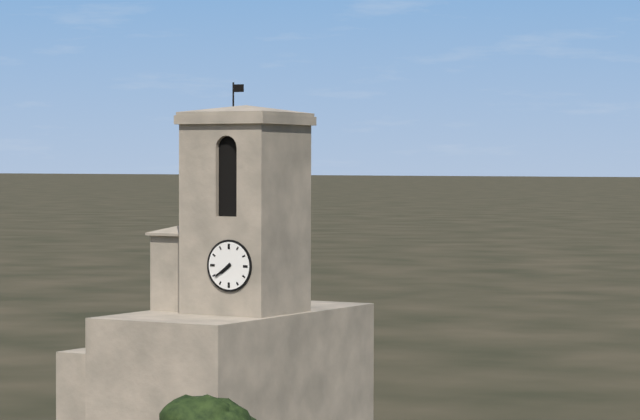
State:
7,39
